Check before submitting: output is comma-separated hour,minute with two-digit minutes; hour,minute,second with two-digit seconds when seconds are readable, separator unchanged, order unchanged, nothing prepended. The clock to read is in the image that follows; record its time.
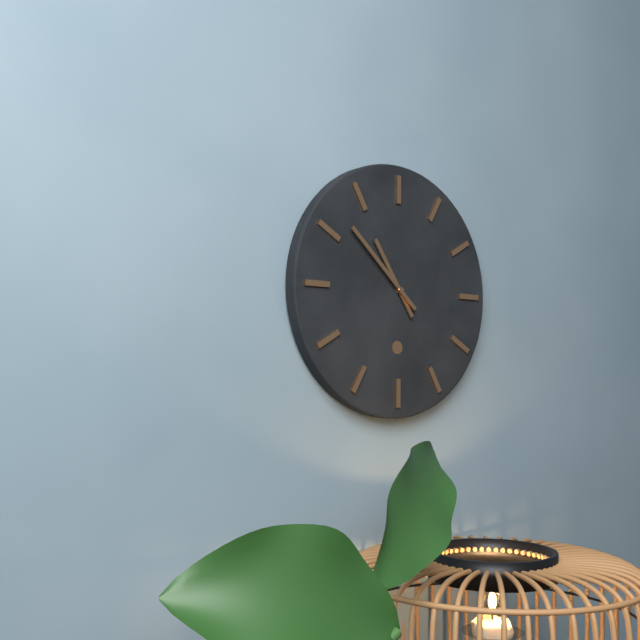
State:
10,52
